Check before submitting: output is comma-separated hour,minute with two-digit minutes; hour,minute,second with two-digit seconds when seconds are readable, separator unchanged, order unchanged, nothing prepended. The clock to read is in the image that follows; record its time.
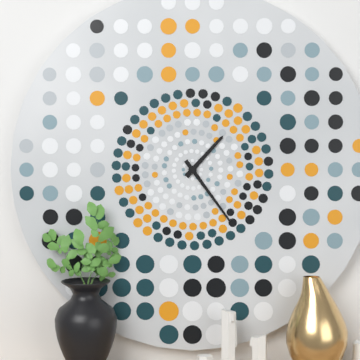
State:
1,24
